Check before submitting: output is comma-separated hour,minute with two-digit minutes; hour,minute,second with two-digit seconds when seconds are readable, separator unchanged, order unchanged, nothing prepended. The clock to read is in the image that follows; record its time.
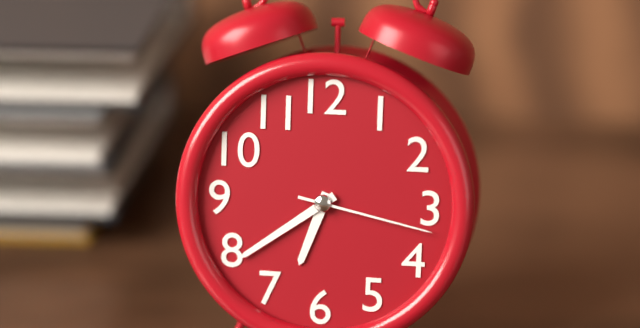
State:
6,39,17
